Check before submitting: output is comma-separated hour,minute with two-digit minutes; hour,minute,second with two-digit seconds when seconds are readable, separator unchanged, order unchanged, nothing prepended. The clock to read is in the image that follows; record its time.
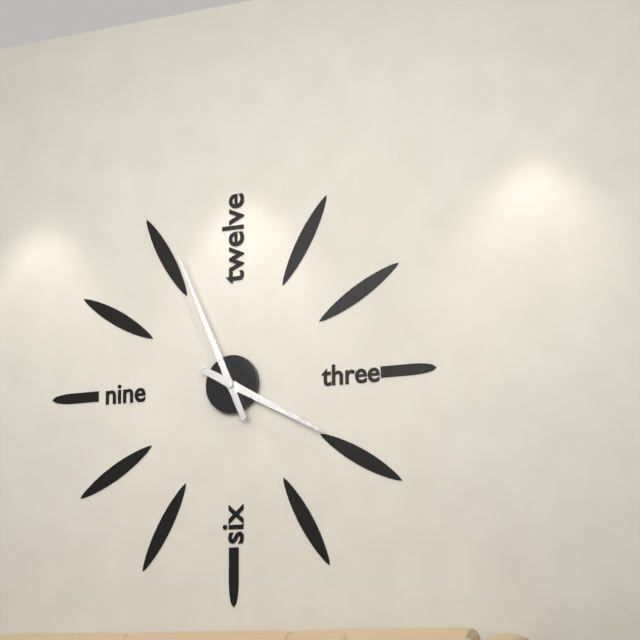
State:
3,56
